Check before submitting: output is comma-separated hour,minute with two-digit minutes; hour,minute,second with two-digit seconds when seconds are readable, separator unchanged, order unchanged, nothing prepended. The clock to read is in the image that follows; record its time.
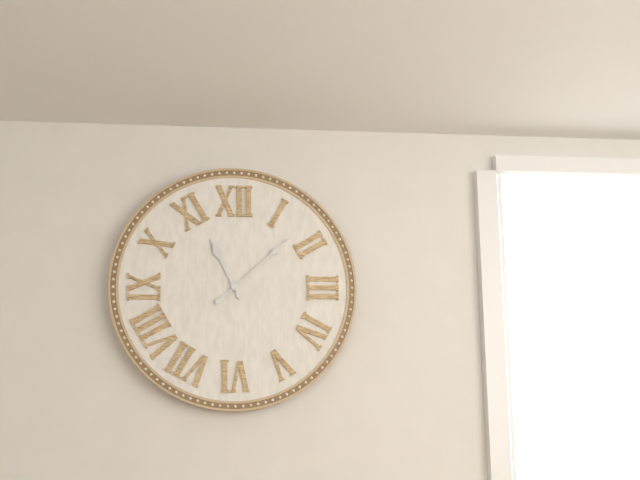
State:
11,08
